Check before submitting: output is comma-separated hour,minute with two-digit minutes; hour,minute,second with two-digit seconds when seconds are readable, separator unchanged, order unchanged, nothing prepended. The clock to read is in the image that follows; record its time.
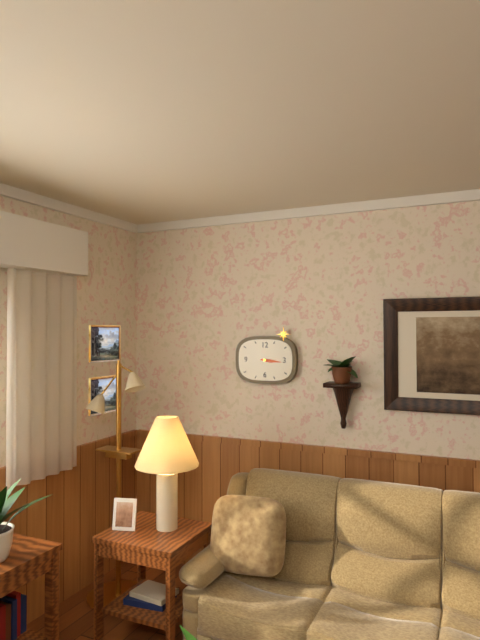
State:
3,16
